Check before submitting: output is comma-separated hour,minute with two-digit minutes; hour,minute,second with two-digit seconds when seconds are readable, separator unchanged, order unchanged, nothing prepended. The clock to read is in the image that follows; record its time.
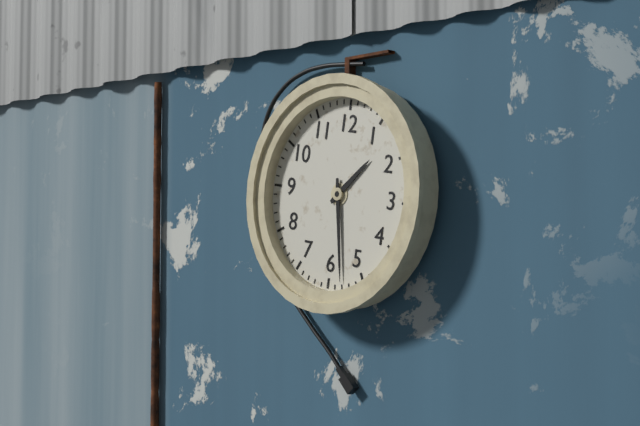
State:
1,28
